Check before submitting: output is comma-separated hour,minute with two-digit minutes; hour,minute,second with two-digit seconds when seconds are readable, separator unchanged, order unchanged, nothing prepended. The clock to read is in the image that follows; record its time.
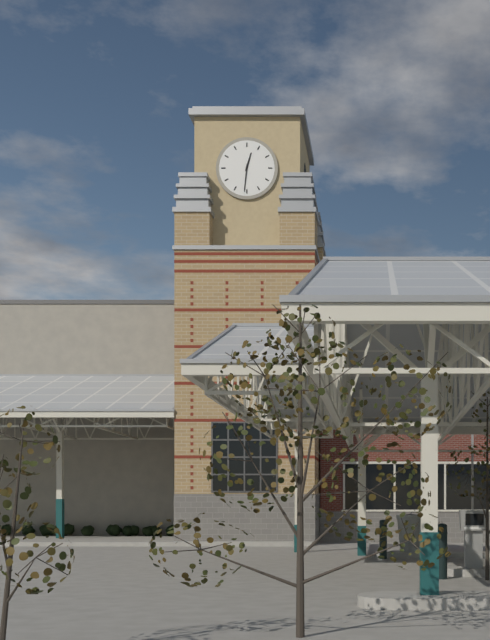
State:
12,31
